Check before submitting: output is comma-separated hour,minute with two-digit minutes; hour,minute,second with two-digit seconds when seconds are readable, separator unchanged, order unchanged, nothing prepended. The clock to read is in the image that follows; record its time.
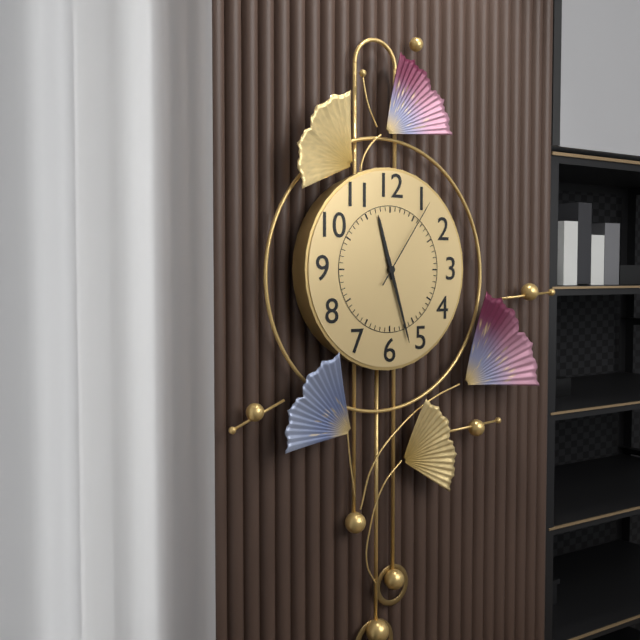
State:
11,27,06
